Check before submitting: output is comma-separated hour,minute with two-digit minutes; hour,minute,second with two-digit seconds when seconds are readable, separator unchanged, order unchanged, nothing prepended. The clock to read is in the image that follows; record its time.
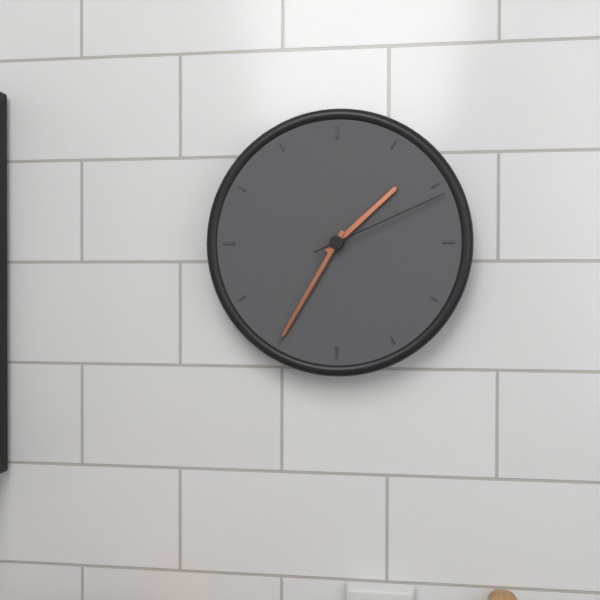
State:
1,35,11
